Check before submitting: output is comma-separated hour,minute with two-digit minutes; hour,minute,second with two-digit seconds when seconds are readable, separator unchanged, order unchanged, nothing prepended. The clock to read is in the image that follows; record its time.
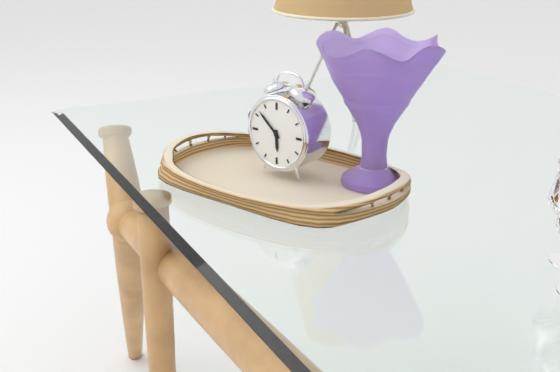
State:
5,52
